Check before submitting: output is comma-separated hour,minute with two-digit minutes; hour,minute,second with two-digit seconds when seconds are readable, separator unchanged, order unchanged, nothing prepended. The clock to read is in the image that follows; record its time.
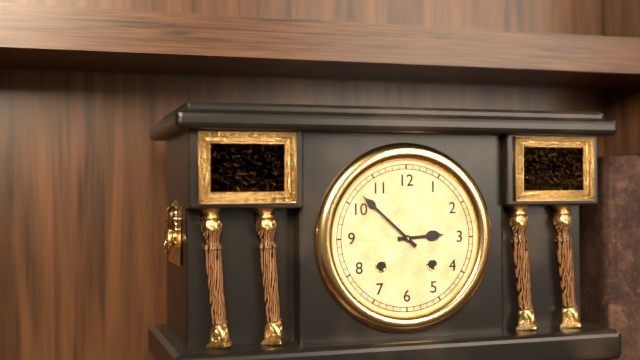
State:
2,52
